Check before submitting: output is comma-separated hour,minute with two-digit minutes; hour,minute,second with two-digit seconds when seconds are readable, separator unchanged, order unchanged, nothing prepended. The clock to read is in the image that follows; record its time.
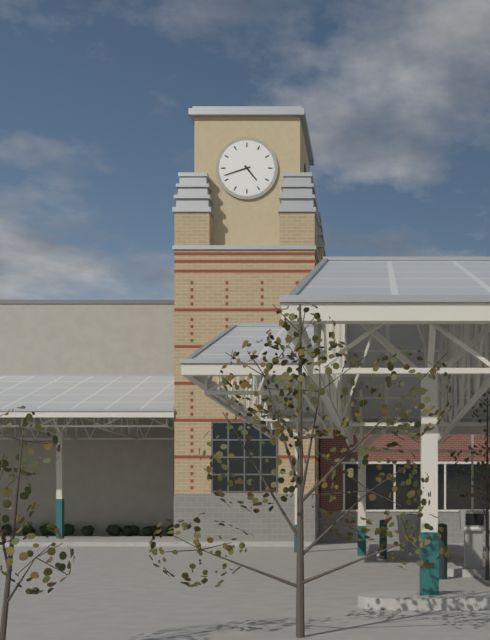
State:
4,42
